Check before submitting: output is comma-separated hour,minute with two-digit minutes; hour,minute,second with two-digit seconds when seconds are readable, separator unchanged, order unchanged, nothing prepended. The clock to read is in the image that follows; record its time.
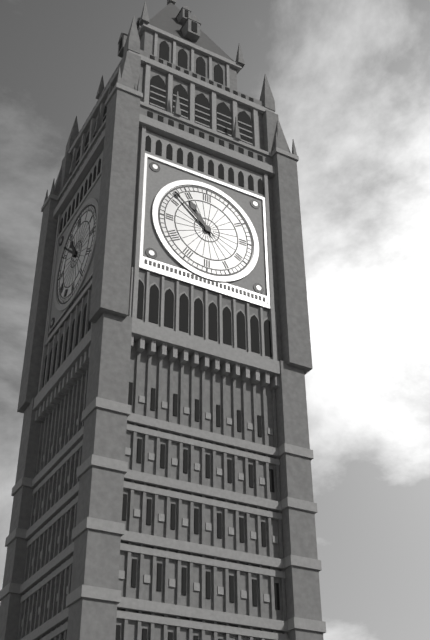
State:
10,52
